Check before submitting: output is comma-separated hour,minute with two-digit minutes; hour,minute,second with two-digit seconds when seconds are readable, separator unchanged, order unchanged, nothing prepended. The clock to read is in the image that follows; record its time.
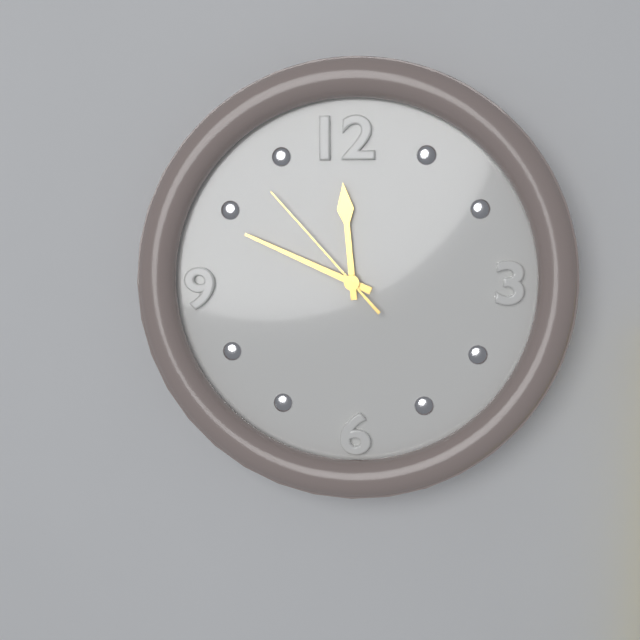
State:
11,49,53
